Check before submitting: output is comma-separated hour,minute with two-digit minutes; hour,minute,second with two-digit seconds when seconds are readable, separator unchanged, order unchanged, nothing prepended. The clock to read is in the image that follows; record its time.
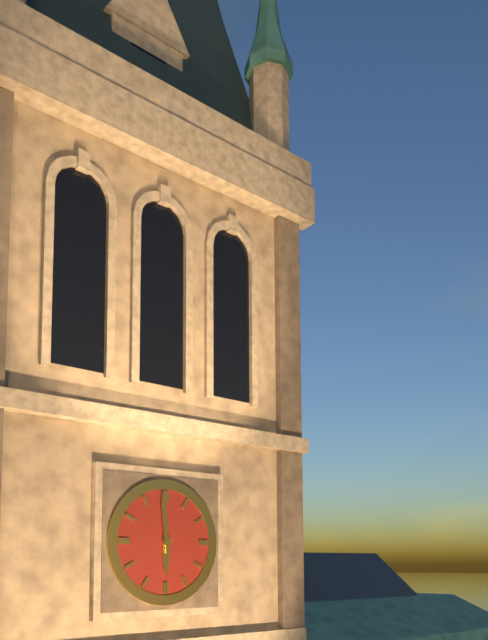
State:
5,59
